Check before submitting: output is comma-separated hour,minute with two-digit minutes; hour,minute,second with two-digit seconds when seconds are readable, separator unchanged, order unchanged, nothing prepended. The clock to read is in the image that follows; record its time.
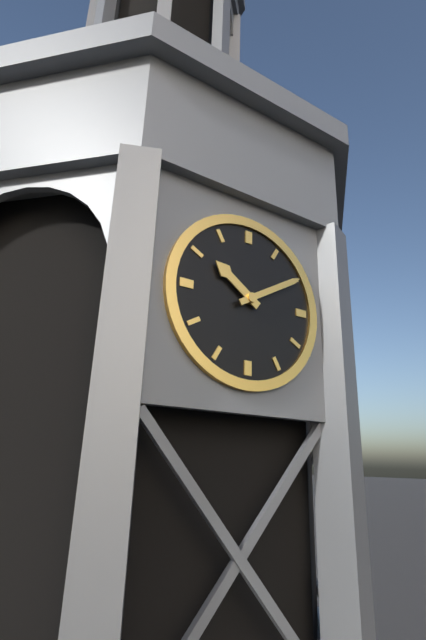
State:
10,10
